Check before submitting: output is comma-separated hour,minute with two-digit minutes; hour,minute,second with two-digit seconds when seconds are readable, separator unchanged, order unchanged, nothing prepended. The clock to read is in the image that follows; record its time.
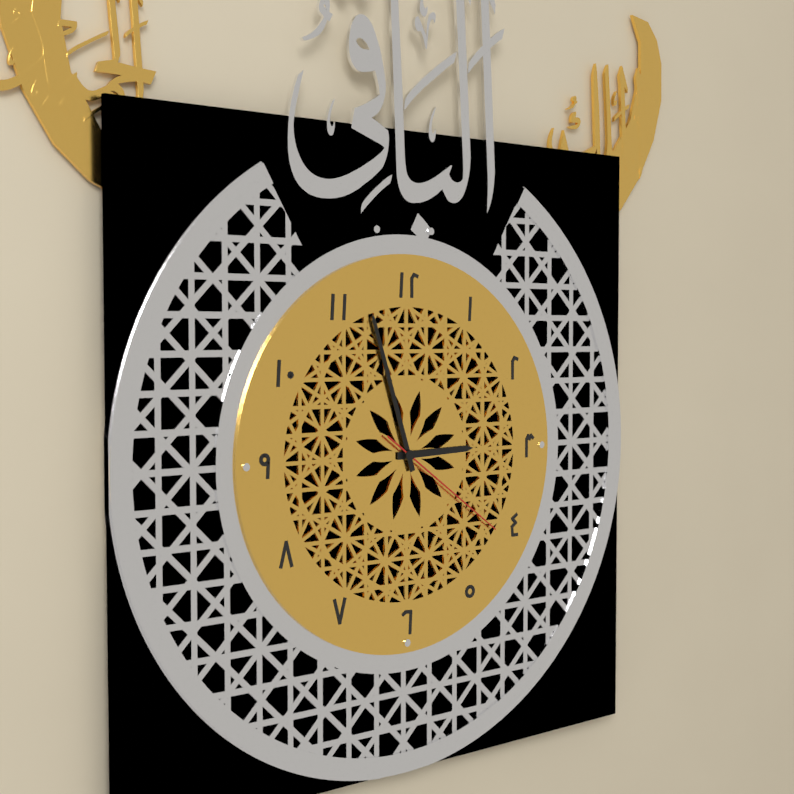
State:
2,57,21
